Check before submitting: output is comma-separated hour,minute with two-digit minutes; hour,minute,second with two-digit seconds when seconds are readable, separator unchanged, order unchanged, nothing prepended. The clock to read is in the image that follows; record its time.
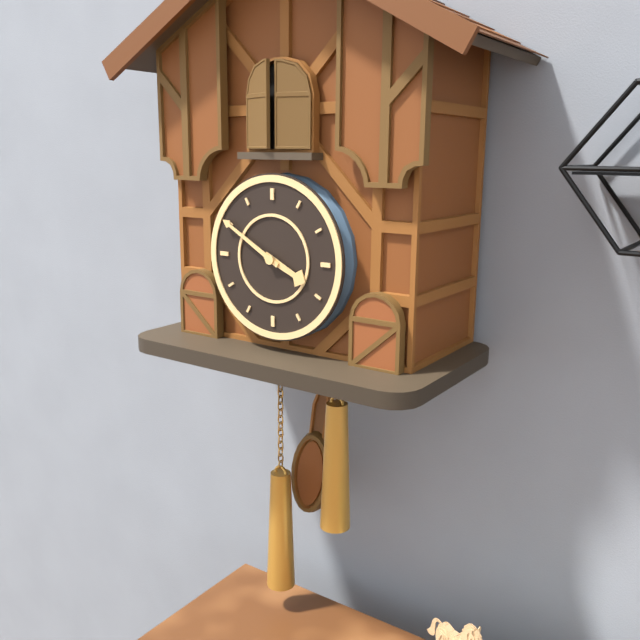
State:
3,50
